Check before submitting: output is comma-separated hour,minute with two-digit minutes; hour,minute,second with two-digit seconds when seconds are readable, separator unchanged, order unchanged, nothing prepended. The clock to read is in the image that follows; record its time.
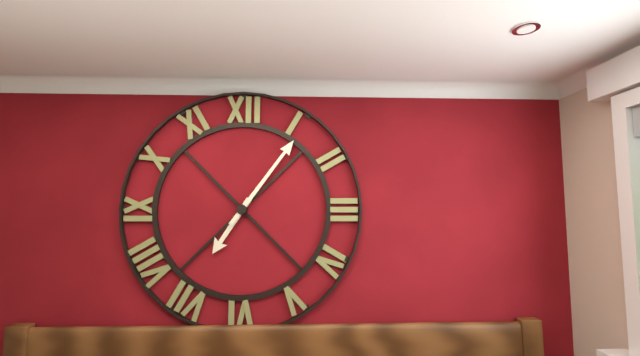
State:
7,06
